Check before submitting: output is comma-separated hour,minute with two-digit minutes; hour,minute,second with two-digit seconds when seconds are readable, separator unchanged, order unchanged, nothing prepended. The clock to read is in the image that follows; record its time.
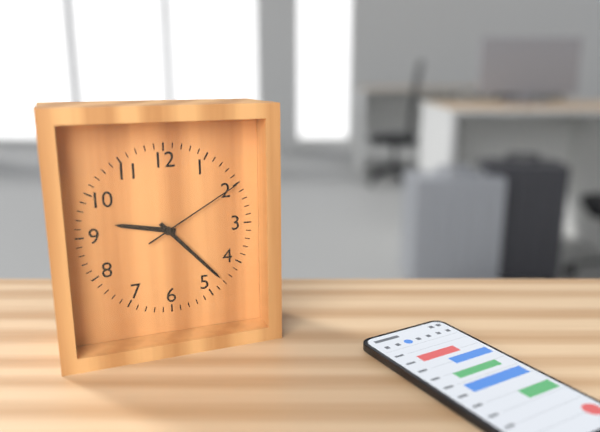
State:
9,23,10
